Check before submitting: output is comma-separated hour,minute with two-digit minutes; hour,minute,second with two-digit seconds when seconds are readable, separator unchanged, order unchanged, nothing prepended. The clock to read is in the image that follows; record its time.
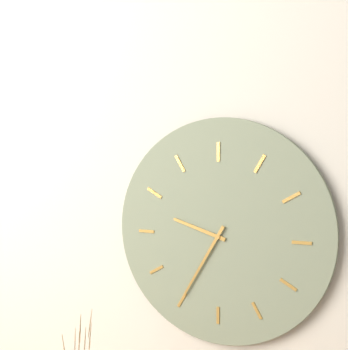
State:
9,35
